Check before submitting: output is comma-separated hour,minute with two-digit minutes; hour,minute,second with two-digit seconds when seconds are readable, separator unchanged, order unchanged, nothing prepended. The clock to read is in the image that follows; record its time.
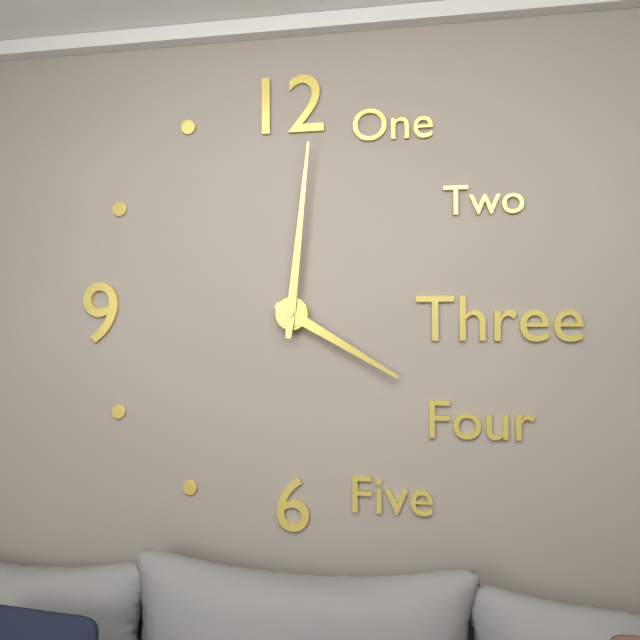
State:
4,01
